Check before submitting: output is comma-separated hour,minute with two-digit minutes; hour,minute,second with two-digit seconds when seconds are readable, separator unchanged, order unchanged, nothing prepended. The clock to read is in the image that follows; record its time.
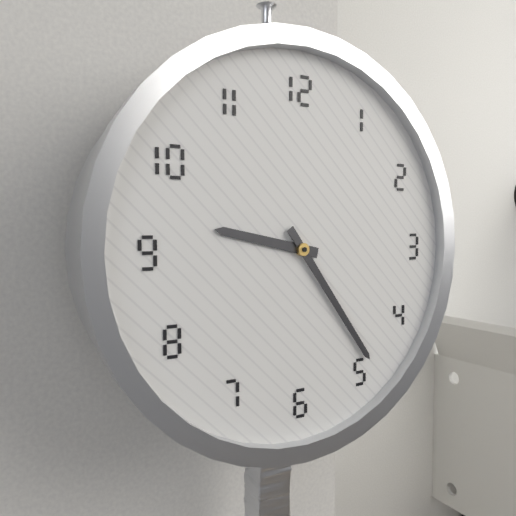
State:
9,24
